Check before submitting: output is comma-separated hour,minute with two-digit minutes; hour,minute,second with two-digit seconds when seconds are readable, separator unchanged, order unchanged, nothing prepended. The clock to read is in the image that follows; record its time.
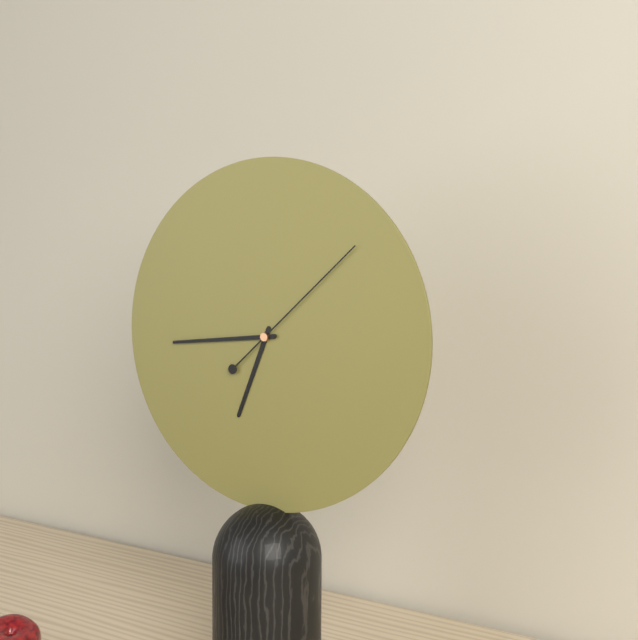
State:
6,44,08
